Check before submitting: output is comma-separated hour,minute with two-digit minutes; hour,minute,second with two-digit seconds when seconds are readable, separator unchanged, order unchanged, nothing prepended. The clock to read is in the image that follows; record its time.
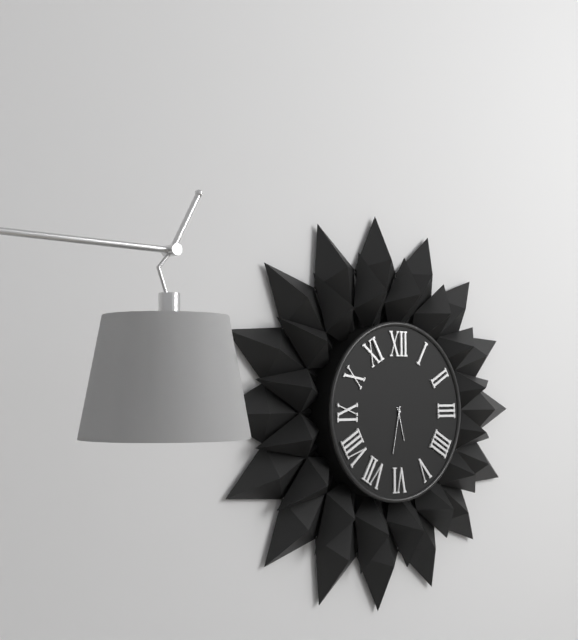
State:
5,32
